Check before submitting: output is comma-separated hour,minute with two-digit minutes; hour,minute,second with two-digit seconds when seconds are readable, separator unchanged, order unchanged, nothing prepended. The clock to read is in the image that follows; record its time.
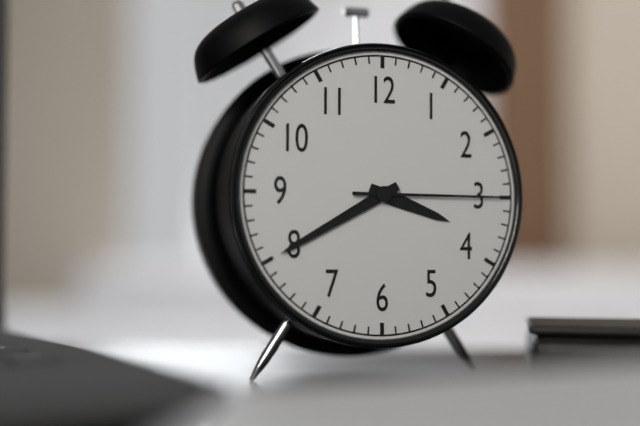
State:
3,40,15
